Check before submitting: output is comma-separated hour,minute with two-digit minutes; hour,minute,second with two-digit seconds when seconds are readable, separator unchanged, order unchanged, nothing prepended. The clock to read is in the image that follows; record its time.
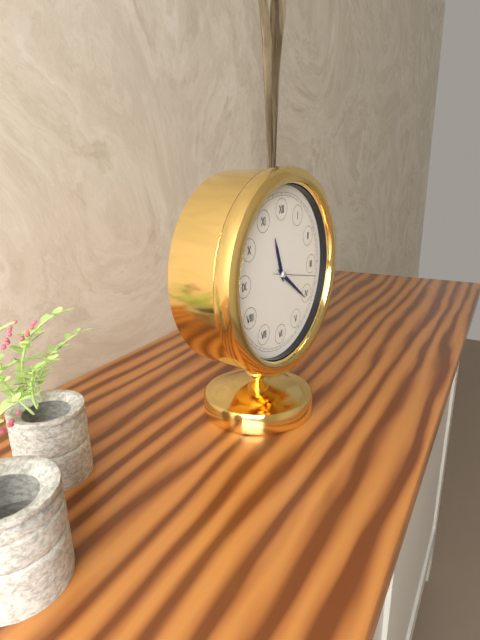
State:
11,21
